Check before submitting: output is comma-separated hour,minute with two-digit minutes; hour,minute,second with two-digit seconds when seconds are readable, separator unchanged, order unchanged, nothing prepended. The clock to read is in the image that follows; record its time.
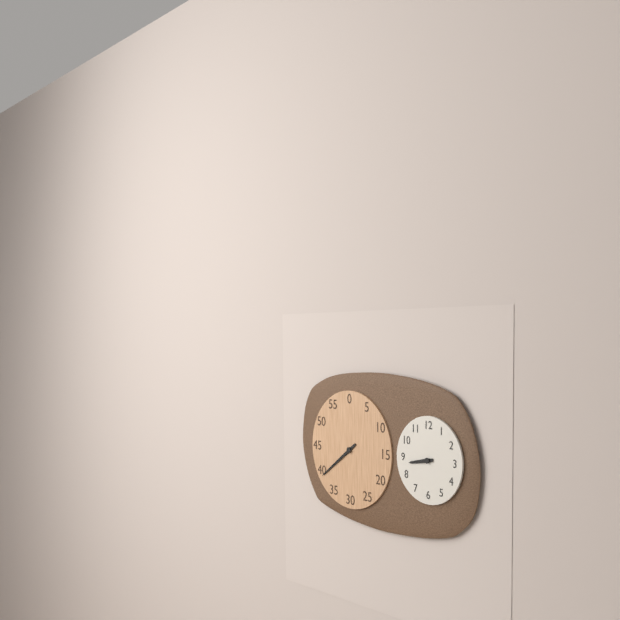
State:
8,39
